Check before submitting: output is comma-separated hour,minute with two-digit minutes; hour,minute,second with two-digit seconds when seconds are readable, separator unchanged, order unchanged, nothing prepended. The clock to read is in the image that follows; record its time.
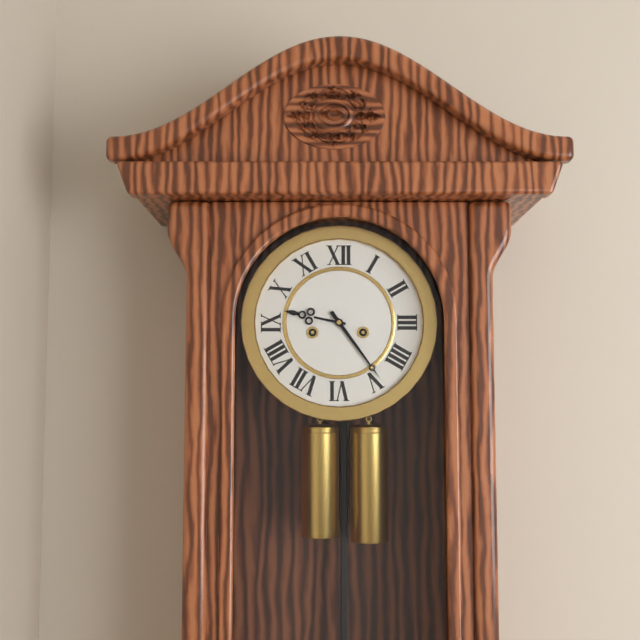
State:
9,24
